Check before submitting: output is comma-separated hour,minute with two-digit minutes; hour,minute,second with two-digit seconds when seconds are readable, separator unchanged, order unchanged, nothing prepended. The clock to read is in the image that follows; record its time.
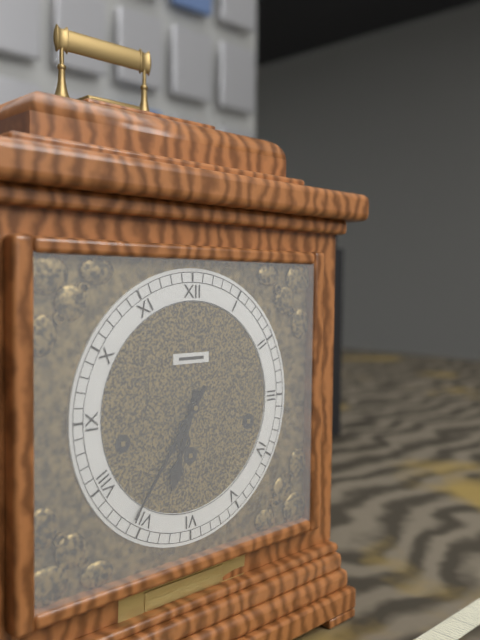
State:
6,36
